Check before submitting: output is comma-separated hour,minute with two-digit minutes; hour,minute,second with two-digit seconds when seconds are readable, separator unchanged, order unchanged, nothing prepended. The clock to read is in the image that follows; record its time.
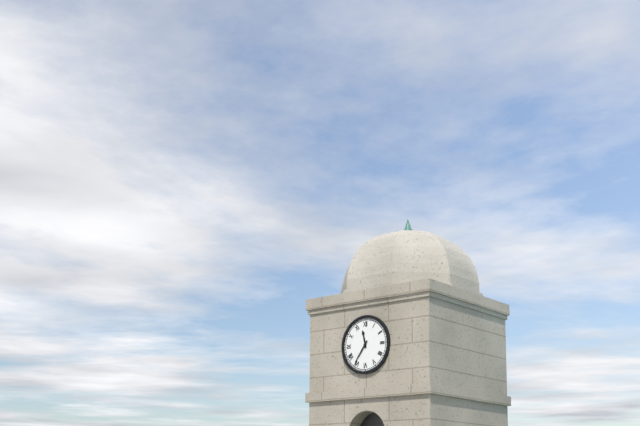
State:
11,36
